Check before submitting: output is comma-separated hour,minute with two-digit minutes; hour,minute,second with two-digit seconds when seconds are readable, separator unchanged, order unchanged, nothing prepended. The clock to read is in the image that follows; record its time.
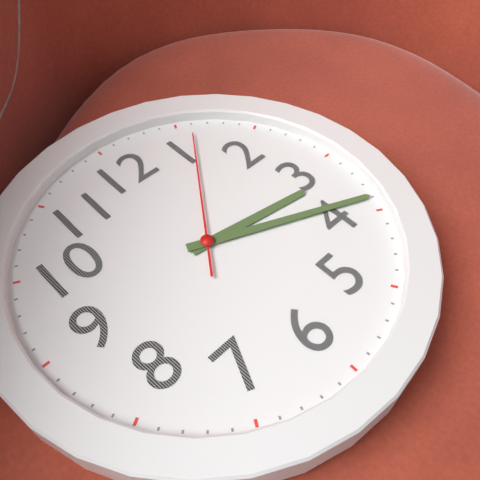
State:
3,19,06
